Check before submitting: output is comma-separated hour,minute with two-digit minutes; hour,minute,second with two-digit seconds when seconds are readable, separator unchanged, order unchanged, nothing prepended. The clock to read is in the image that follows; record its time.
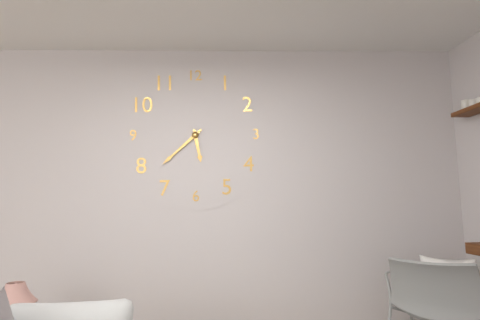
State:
5,38
